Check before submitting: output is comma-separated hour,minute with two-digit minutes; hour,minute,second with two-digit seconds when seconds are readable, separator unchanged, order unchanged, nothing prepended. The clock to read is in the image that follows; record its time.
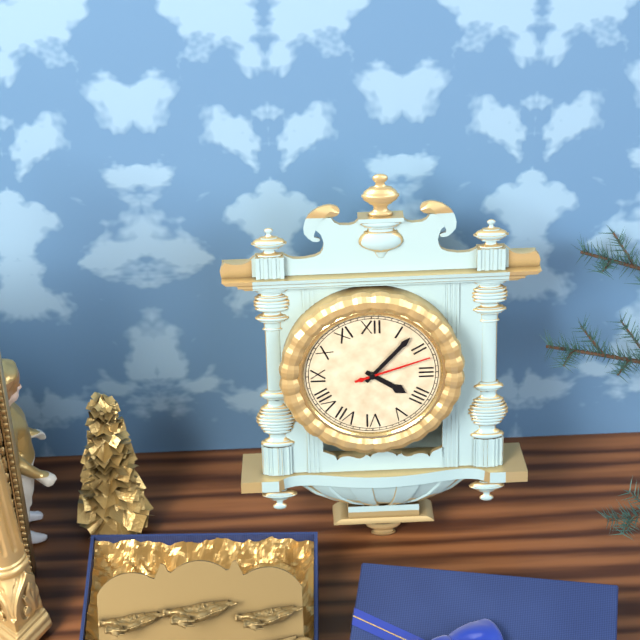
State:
4,07,12
